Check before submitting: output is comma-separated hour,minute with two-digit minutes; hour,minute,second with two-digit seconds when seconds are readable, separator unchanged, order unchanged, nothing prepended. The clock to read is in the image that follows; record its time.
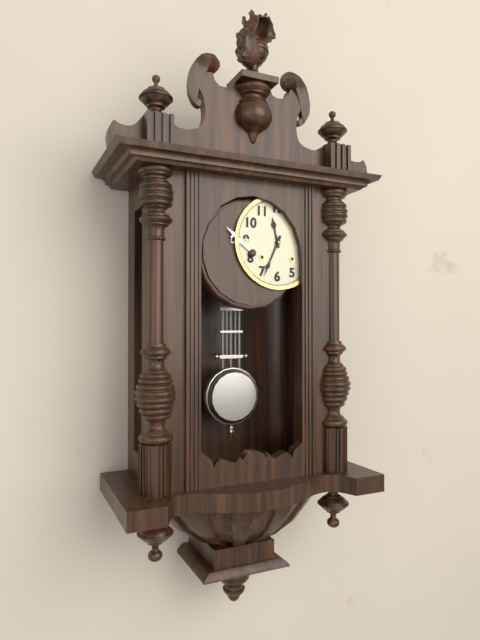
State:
11,34
